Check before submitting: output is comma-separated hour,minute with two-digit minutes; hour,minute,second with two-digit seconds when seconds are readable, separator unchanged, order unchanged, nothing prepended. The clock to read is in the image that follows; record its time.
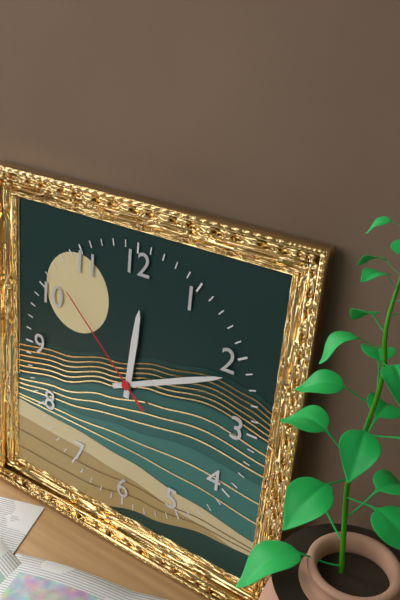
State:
12,11,52
